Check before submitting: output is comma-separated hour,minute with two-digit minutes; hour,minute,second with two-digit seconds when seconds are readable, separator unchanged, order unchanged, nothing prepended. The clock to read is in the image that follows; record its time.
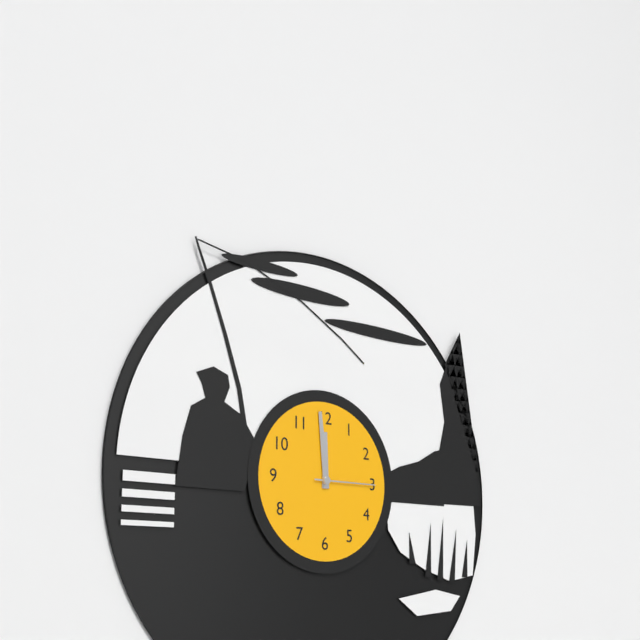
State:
11,59,15
